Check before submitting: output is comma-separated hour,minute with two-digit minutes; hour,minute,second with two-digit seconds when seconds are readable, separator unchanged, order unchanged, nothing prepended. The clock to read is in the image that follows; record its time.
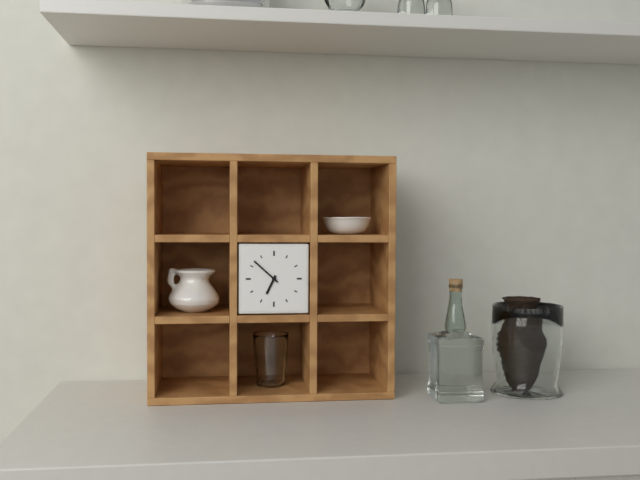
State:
6,52
